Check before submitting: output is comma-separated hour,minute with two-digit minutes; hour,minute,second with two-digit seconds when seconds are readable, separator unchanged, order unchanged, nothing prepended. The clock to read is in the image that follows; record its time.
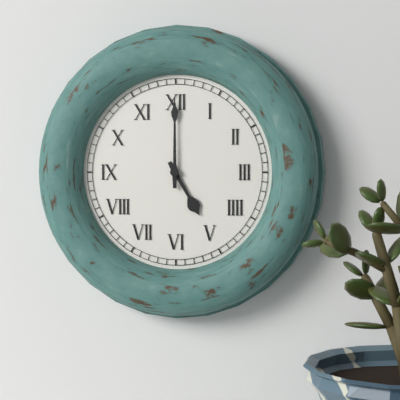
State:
5,00
